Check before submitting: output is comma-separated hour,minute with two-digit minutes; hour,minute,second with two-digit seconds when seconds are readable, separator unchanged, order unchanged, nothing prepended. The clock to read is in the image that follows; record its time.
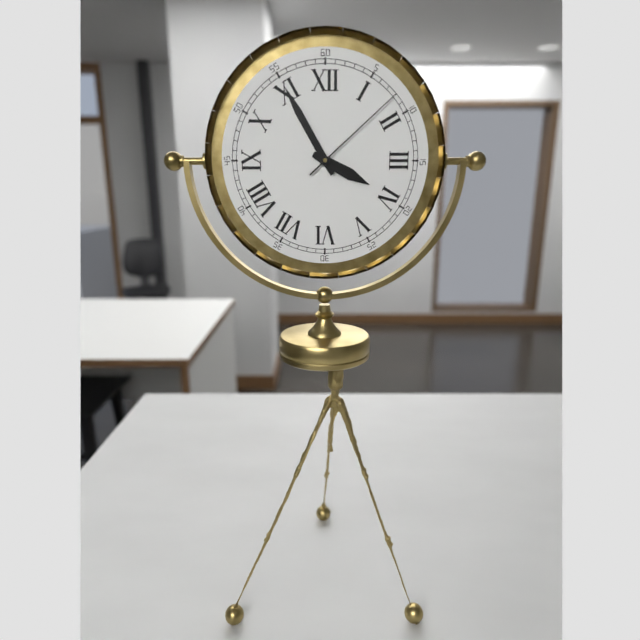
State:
3,55,08
